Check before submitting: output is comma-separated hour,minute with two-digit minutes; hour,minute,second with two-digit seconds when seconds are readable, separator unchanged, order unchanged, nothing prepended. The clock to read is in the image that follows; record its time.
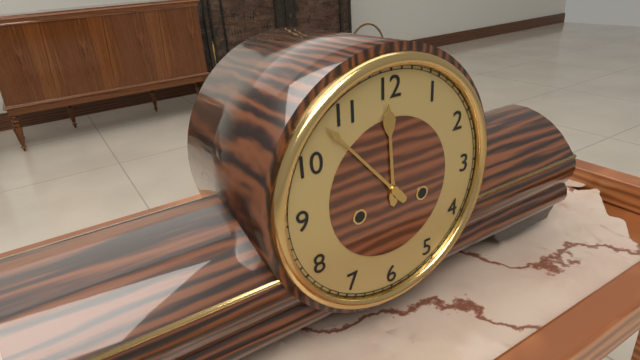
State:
11,53
